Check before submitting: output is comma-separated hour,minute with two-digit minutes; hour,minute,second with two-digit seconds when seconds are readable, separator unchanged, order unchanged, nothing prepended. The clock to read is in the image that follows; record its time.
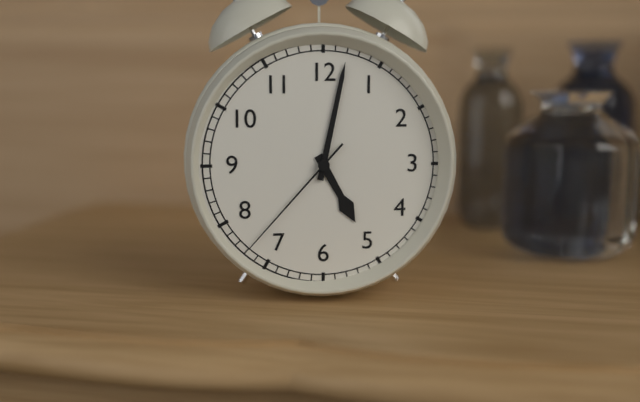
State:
5,02,37
